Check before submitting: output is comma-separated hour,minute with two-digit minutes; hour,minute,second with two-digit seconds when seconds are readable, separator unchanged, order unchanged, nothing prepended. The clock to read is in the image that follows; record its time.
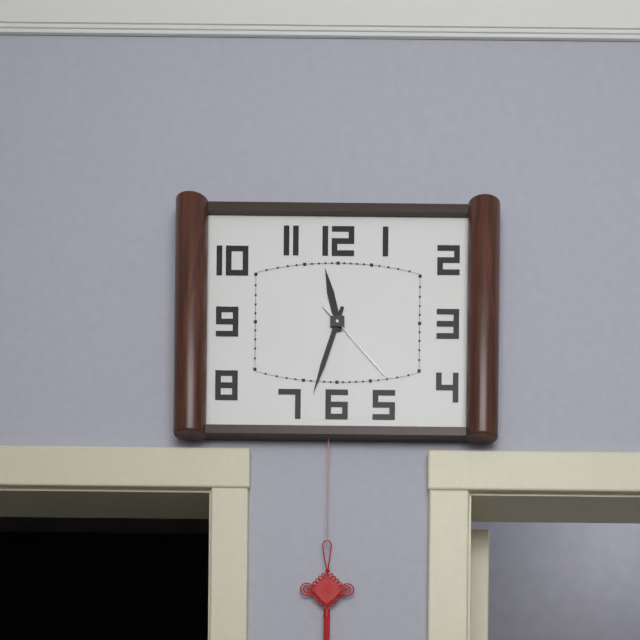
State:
11,33,23
